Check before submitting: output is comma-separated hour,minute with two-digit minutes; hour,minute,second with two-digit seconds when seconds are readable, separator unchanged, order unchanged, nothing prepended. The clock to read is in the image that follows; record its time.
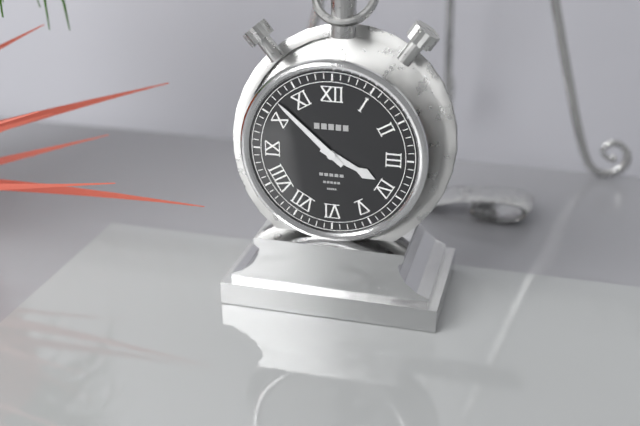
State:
3,52
